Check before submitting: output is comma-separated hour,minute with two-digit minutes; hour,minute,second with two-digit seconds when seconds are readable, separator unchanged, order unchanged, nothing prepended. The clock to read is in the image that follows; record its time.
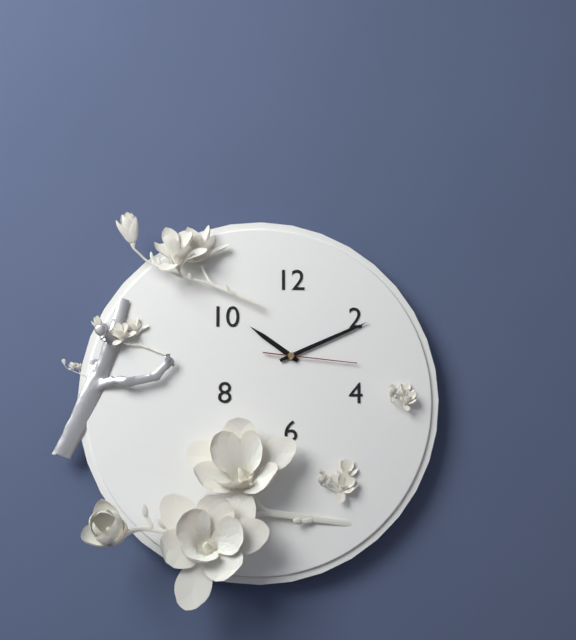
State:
10,11,16
